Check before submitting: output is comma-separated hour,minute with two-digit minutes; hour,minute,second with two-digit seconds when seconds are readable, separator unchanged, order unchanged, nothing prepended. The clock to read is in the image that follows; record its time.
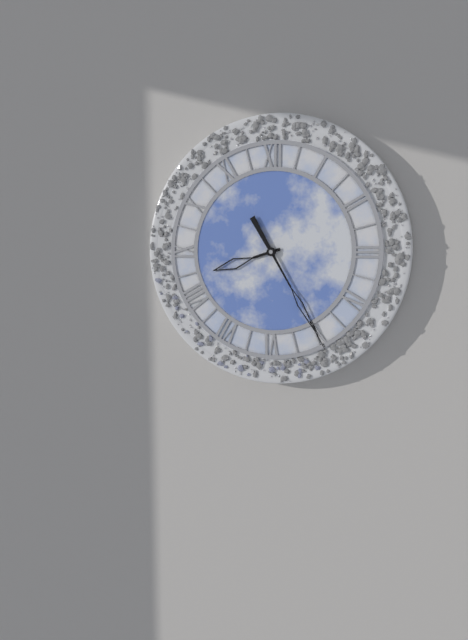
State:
8,25
